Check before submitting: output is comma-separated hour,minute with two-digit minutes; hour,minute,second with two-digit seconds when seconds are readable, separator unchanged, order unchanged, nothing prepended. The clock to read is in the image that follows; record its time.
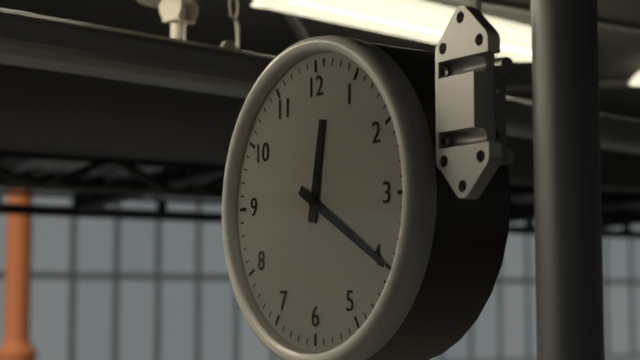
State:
12,20
